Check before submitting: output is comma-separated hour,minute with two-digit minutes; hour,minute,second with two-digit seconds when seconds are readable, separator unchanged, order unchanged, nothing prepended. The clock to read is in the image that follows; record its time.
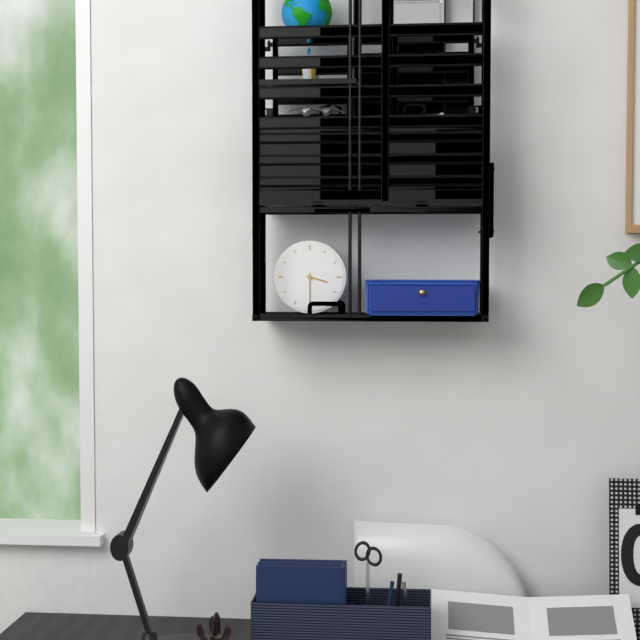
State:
3,30
